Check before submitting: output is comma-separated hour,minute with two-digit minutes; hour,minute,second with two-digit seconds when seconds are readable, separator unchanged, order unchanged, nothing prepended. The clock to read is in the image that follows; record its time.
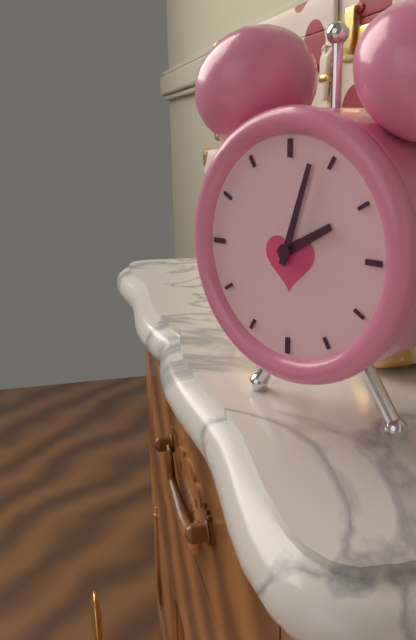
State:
2,03
